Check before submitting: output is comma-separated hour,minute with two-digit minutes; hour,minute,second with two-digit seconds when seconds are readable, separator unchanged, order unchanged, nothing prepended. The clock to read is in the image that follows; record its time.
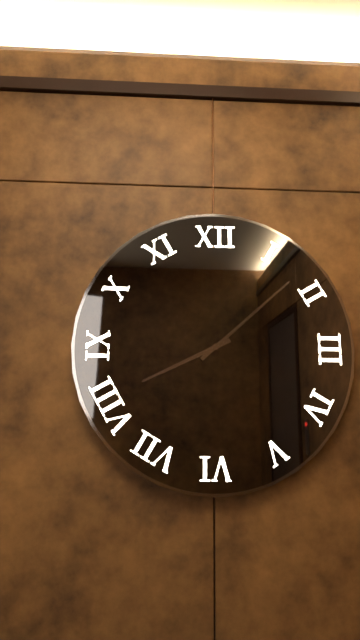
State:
8,08
